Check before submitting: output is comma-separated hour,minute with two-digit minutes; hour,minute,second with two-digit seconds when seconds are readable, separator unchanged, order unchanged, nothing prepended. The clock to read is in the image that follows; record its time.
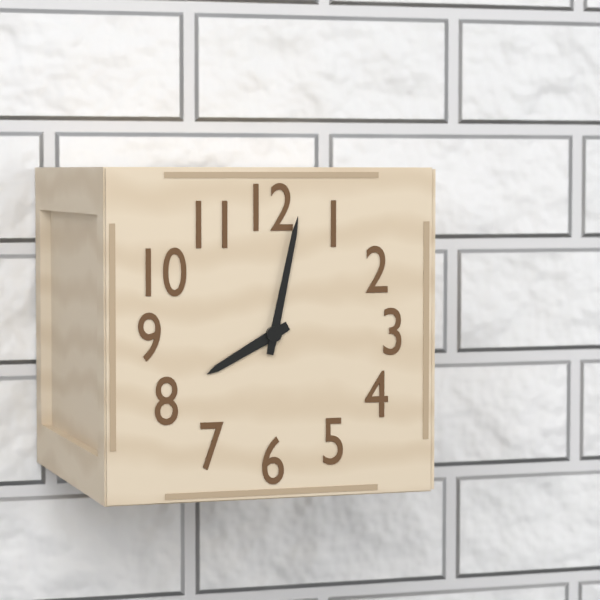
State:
8,02
